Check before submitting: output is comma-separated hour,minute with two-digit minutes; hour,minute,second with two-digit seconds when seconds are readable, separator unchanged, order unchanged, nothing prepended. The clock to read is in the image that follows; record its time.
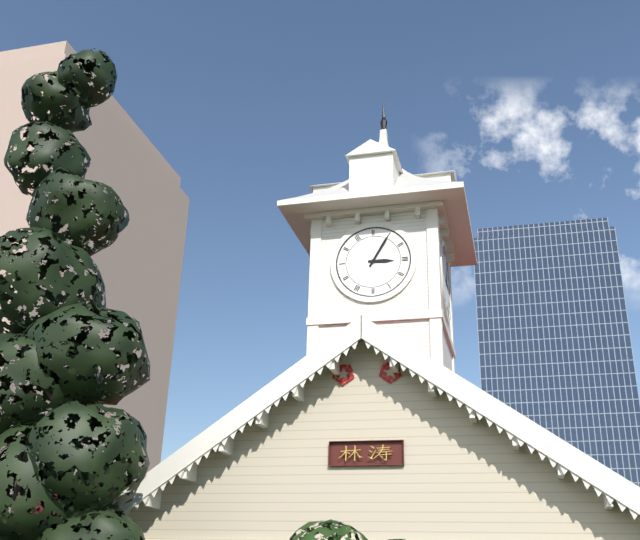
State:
3,05
